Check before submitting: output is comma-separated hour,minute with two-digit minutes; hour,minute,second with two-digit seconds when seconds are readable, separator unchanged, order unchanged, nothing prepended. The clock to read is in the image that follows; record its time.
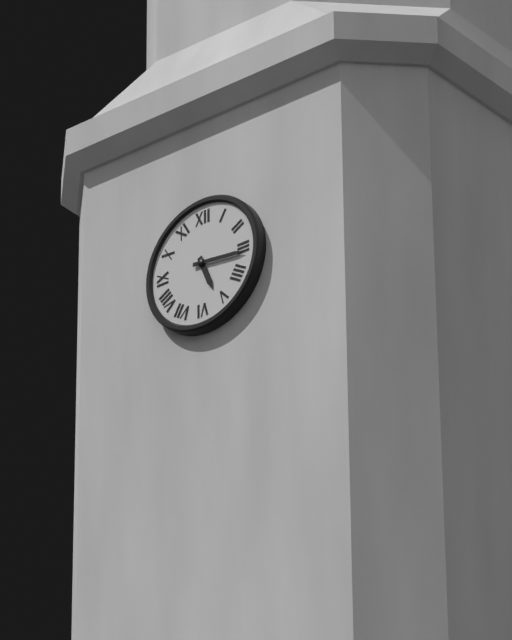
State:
5,16
